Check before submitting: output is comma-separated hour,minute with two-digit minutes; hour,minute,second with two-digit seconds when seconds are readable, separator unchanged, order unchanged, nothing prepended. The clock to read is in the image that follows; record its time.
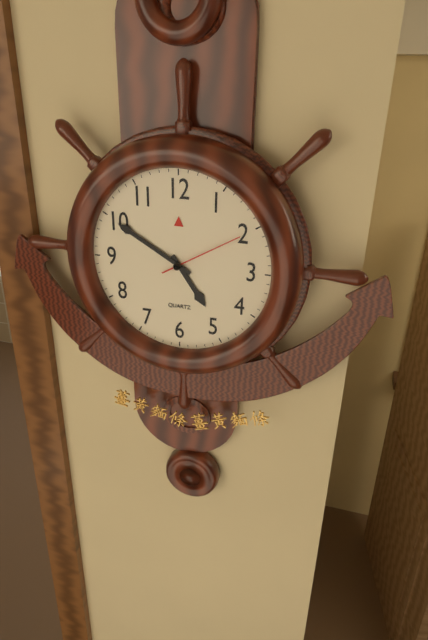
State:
4,50,10
